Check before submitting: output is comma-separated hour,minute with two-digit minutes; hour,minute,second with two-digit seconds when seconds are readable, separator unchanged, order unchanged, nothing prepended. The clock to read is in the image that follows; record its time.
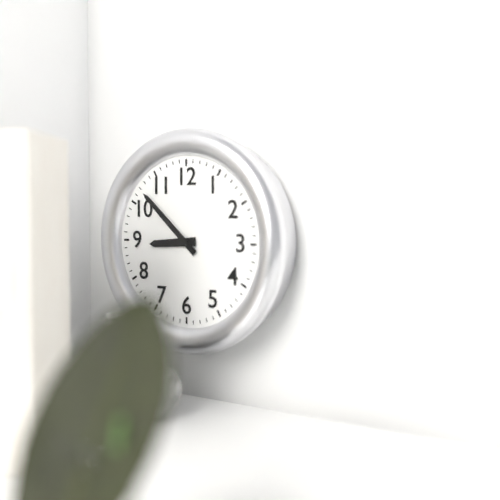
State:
8,52
